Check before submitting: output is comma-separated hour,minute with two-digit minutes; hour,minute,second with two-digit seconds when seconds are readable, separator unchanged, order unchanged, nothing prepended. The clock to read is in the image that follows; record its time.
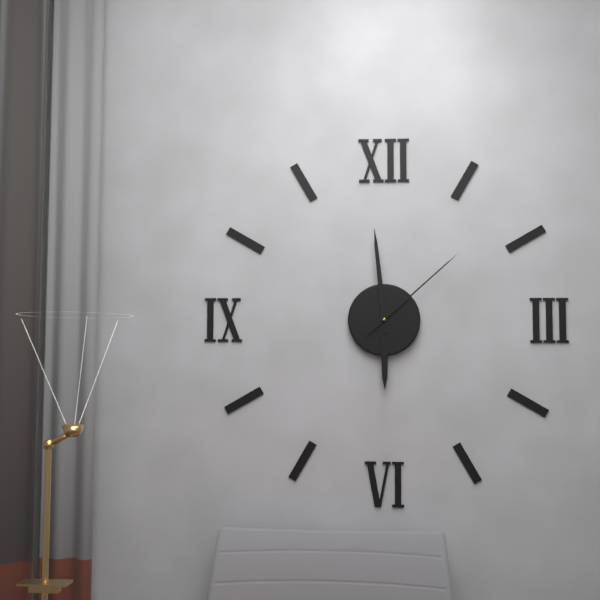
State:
5,59,08
